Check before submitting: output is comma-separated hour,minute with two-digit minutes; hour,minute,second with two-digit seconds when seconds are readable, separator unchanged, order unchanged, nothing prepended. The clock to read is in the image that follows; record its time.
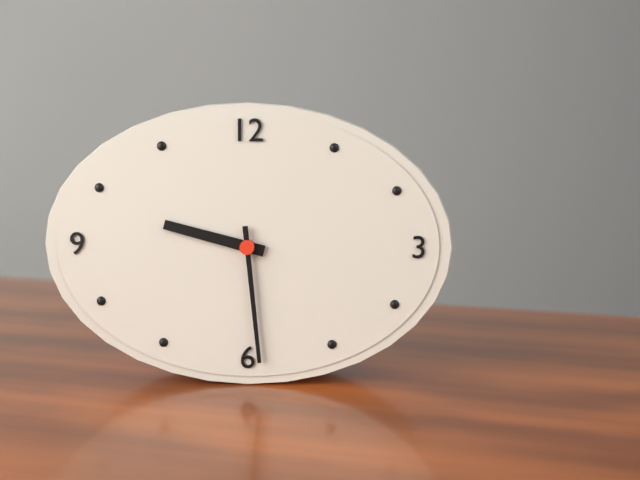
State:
9,29
